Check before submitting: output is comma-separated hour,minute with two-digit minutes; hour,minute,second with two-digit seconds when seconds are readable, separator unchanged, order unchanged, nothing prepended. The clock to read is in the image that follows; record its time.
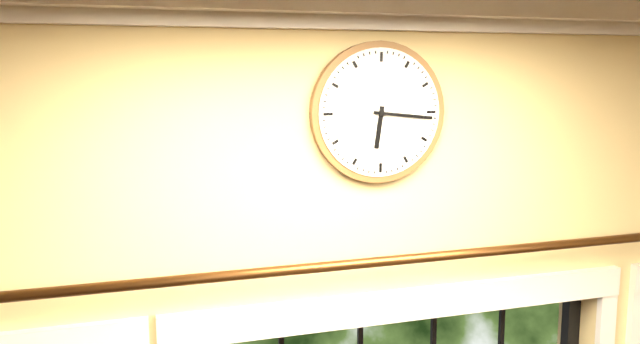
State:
6,16
